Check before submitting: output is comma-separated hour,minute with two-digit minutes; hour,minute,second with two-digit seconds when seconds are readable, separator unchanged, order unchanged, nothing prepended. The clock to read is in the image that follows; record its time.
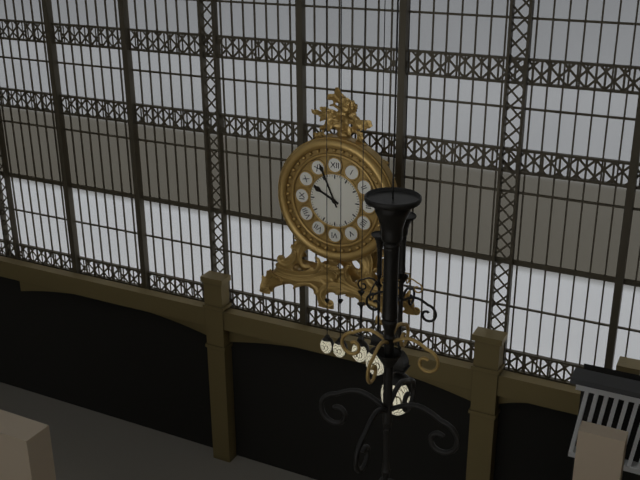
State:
9,56
